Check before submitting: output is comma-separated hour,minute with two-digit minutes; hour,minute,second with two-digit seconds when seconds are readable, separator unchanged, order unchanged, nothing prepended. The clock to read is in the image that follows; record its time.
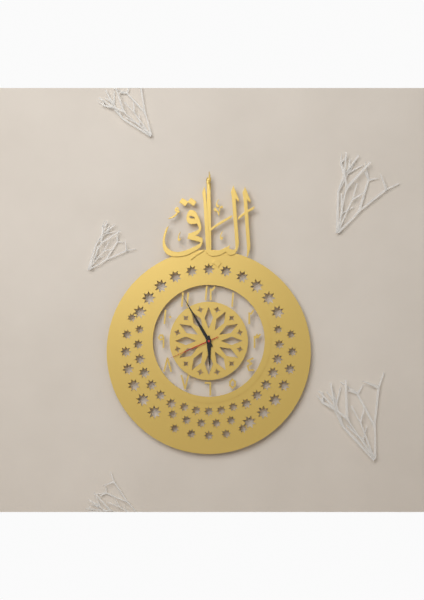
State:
5,55,41
